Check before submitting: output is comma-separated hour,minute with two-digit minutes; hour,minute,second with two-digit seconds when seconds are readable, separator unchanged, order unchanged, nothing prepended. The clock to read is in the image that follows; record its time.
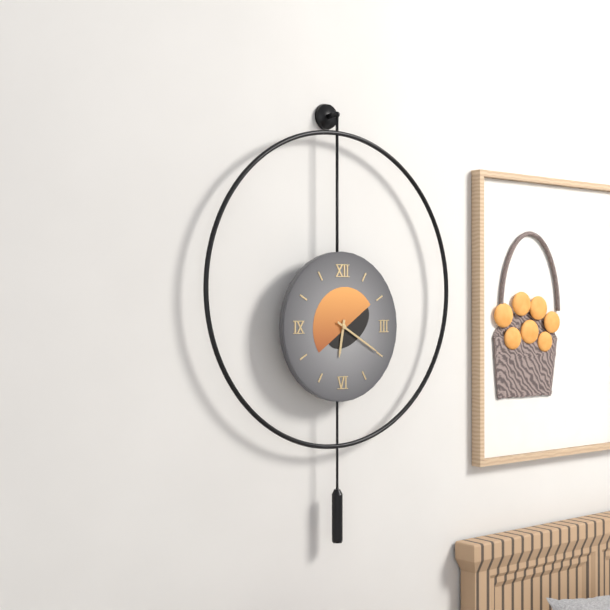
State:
6,20
